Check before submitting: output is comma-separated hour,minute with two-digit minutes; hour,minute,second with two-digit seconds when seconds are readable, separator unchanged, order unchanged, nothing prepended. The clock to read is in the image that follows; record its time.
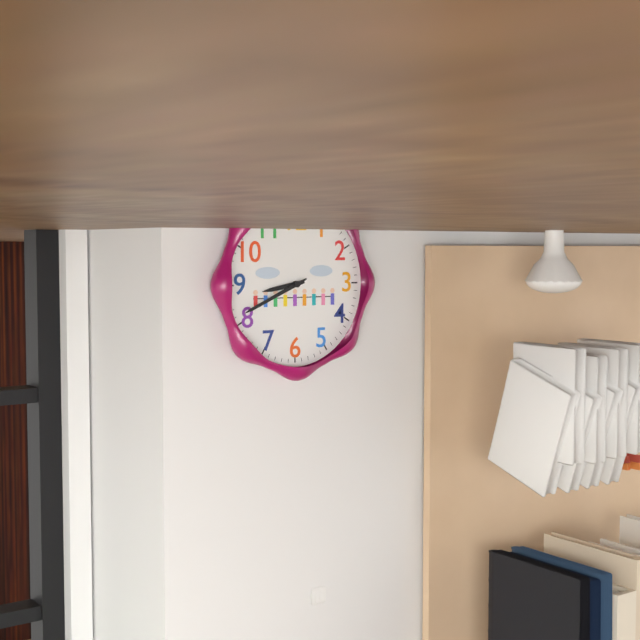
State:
8,41
